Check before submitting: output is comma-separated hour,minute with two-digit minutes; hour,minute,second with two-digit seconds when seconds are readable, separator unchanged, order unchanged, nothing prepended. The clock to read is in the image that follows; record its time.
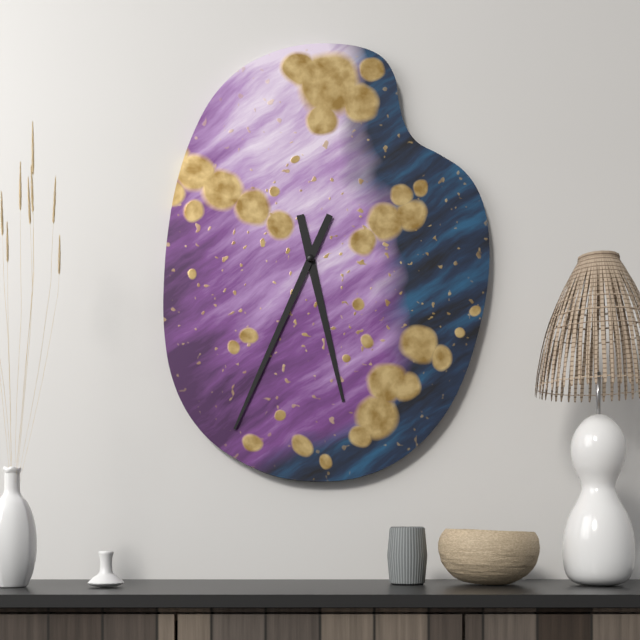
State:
5,34
